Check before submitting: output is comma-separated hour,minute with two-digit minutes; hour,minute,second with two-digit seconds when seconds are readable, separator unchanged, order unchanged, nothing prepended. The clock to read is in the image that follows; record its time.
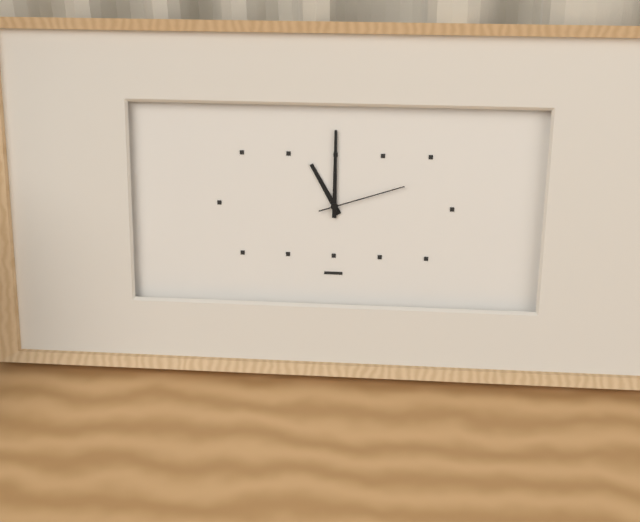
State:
11,00,12
